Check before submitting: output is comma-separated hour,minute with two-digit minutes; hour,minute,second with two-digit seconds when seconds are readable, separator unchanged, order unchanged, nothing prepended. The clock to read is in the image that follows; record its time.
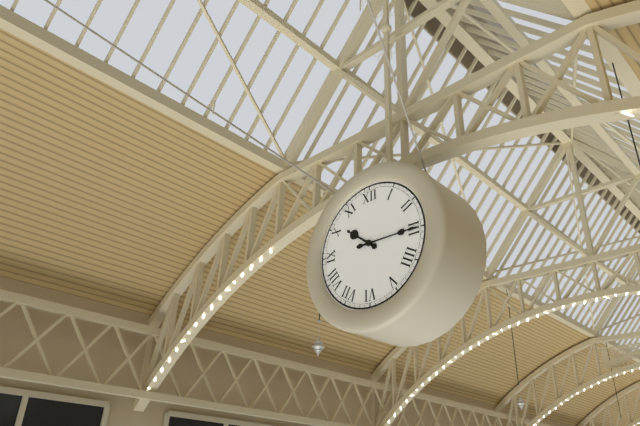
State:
10,15
